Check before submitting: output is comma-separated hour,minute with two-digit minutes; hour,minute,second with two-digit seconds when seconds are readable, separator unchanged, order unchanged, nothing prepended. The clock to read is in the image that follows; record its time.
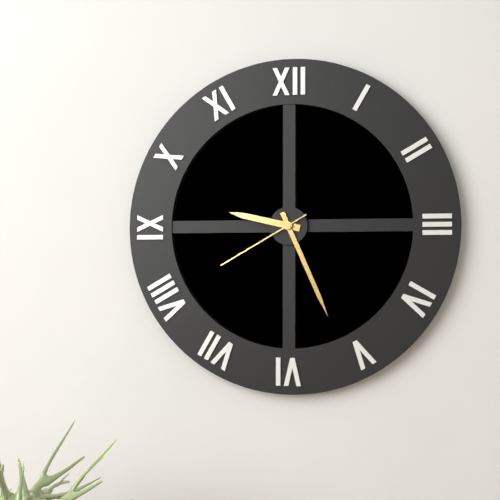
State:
9,26,40
